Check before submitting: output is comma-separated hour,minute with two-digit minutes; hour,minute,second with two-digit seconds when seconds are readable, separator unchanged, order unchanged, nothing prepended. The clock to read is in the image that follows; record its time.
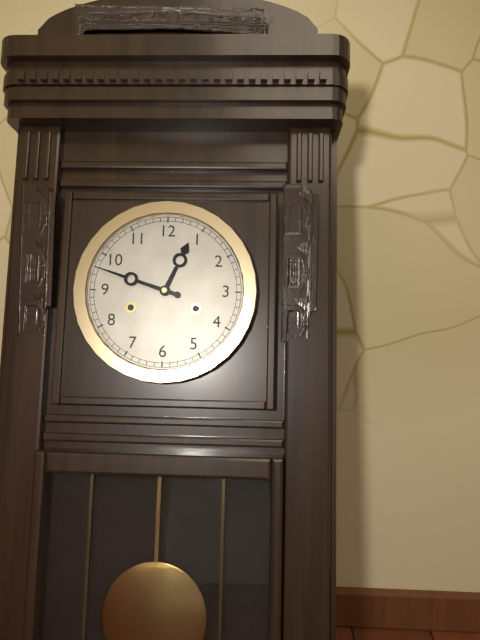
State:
12,48
